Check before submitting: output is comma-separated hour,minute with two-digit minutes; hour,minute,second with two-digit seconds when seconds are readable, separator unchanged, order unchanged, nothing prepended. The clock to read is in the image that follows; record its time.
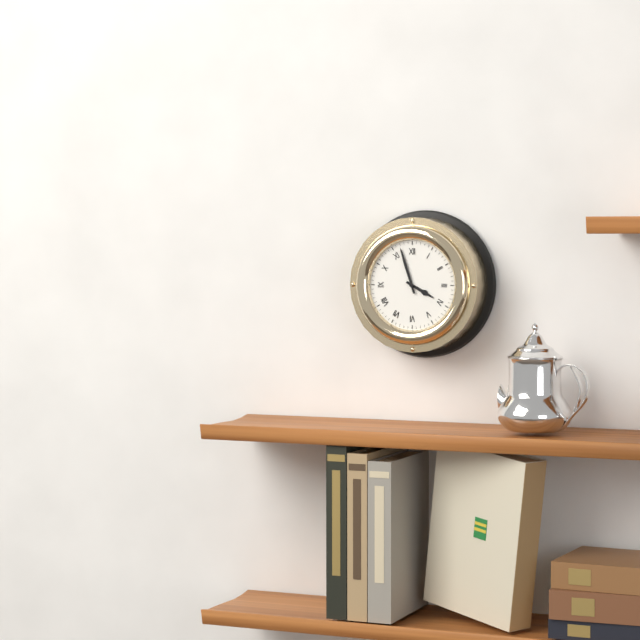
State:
3,57
